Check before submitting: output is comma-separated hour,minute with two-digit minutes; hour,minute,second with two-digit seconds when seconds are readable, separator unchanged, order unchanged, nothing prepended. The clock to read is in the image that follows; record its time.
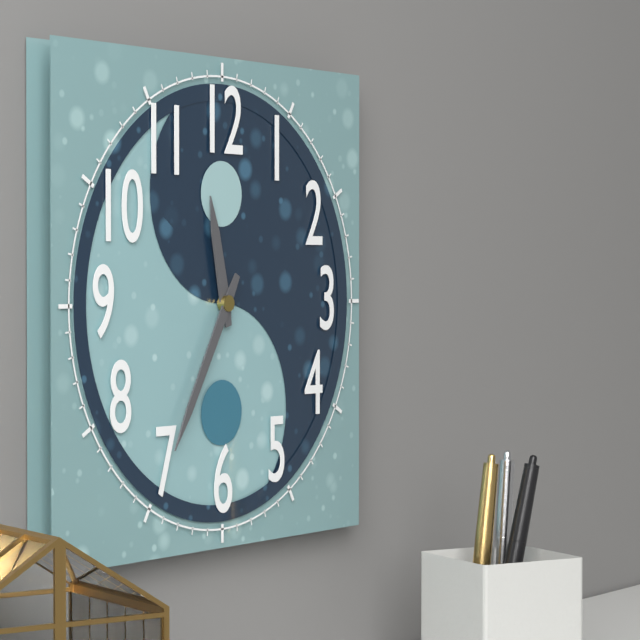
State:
11,35
